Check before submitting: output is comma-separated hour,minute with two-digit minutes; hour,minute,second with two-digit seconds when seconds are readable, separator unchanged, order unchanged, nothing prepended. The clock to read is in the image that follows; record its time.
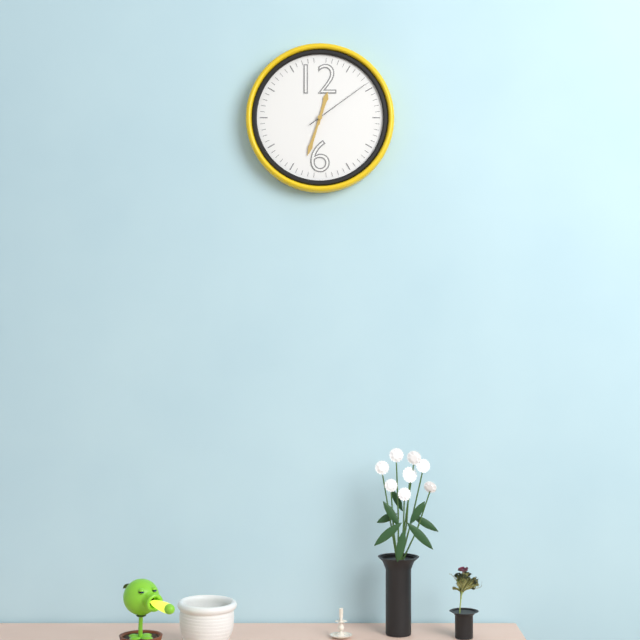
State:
12,33,09
